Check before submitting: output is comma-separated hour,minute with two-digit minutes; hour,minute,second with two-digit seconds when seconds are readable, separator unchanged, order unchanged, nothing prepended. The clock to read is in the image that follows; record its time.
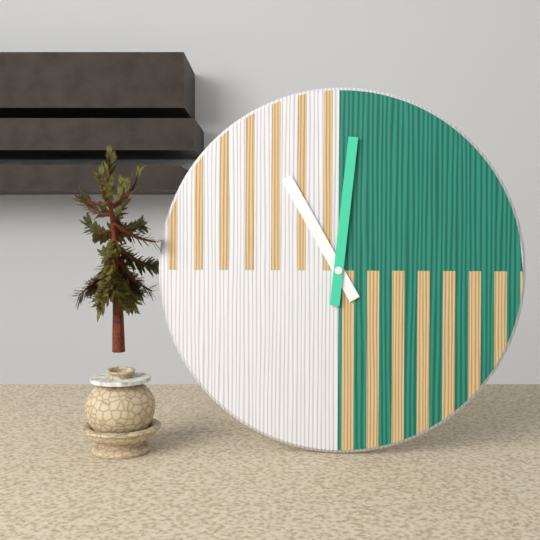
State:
11,01
